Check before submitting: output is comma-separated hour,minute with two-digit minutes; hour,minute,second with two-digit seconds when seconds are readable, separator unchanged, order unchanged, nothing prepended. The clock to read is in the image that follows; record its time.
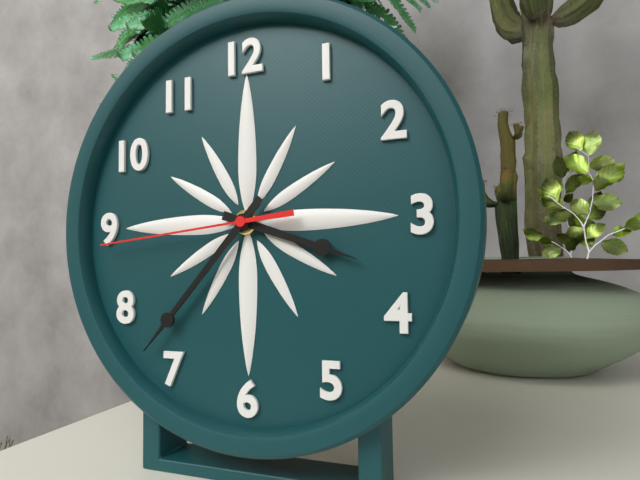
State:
3,37,44
